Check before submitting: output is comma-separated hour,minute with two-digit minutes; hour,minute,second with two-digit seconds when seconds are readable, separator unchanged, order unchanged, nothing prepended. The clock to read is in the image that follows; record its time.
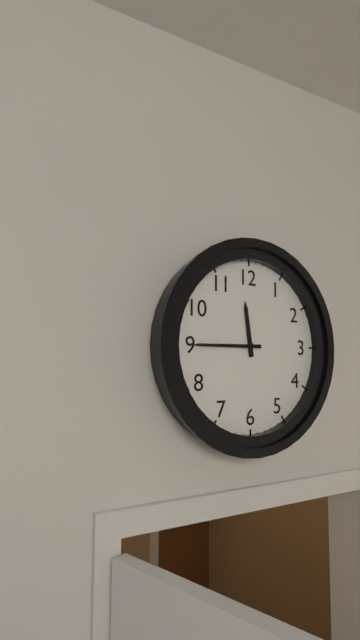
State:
11,45
